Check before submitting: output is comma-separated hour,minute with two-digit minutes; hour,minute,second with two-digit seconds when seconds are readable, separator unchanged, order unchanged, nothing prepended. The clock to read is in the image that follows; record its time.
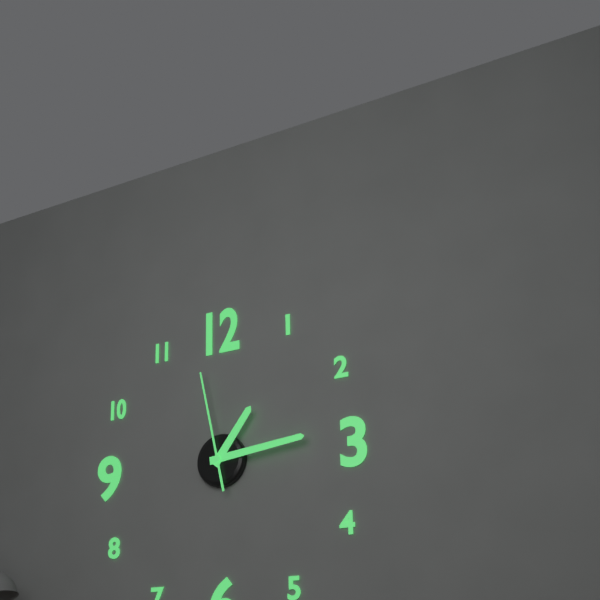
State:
1,14,58
